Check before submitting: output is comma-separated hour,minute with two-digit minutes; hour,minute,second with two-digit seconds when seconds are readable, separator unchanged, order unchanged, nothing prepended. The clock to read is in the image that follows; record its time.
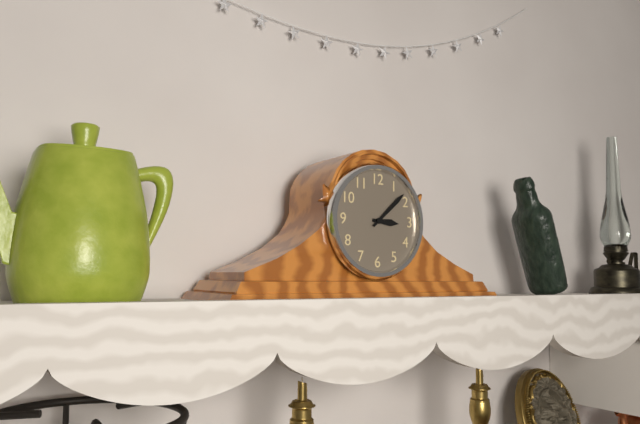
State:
3,08
